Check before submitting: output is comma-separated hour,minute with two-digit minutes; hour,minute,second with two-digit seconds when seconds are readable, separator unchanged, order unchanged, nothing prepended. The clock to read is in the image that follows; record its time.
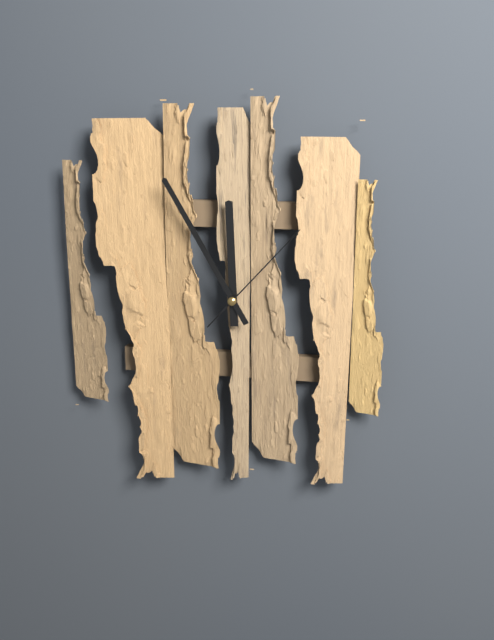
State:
11,55,07
